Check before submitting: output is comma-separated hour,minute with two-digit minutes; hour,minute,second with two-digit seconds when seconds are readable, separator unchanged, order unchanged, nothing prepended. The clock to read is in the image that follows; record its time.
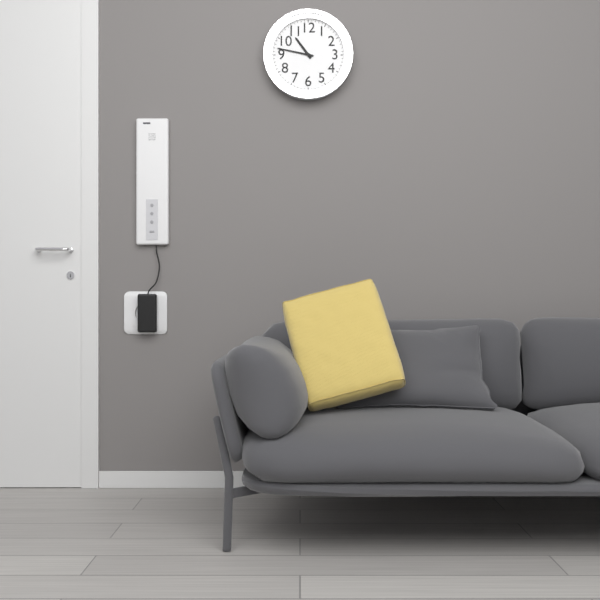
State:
10,47
